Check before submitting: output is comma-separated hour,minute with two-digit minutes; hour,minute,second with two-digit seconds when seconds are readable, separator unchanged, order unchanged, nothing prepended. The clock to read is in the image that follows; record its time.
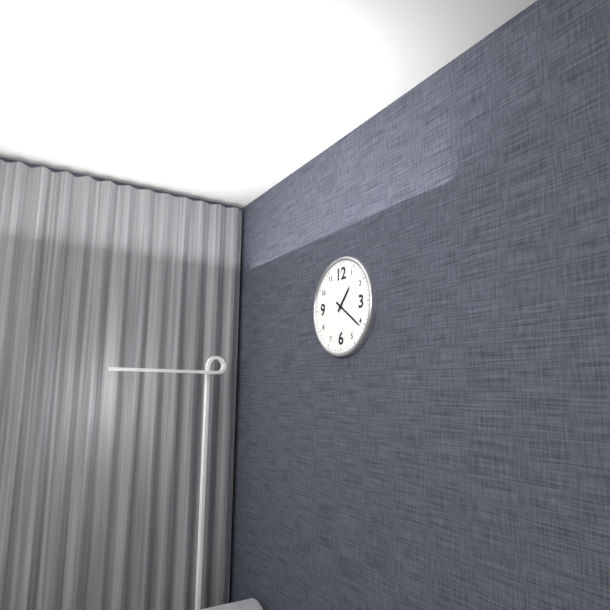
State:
1,21
